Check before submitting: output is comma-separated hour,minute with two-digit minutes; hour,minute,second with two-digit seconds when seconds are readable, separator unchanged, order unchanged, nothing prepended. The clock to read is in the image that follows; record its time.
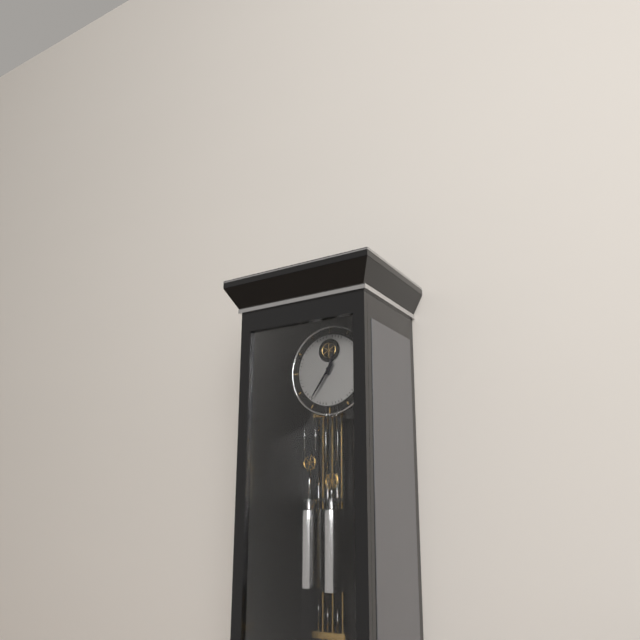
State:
12,36
